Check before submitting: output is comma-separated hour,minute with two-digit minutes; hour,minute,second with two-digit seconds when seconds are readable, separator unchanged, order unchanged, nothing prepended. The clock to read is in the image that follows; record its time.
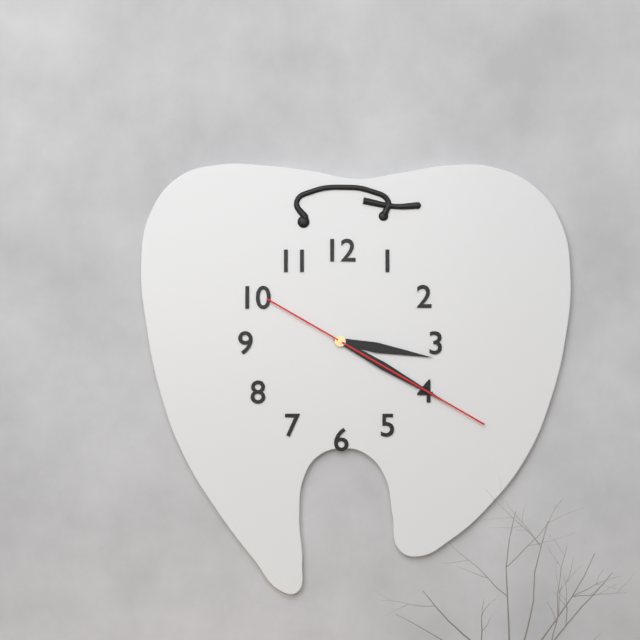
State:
3,20,20
